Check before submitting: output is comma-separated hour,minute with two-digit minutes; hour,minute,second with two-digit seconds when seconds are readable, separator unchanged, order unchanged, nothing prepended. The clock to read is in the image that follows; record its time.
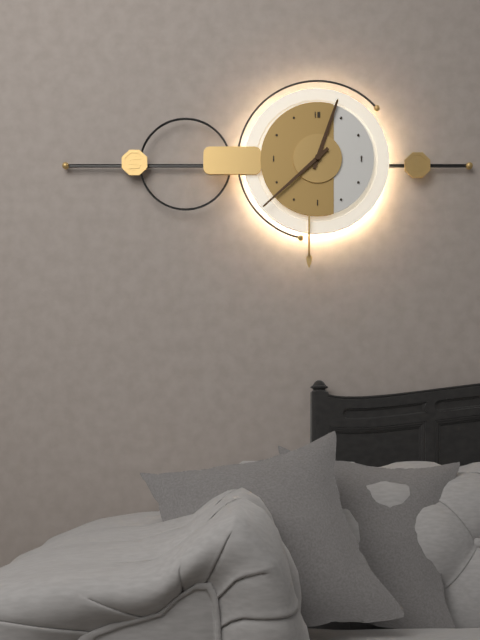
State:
12,38
